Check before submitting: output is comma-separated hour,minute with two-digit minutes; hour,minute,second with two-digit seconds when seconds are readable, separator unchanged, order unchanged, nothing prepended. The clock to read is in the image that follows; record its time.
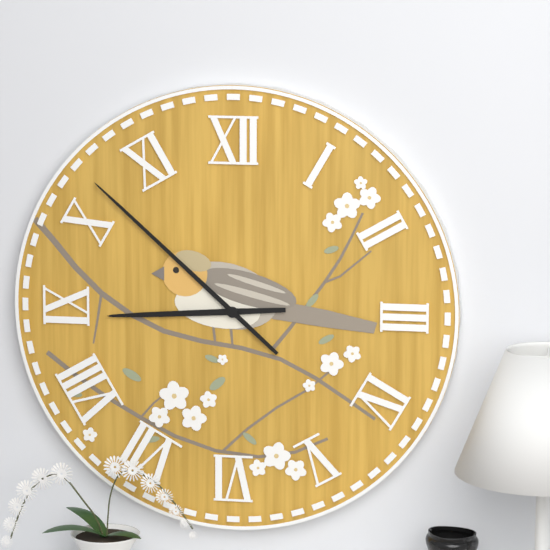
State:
8,52
